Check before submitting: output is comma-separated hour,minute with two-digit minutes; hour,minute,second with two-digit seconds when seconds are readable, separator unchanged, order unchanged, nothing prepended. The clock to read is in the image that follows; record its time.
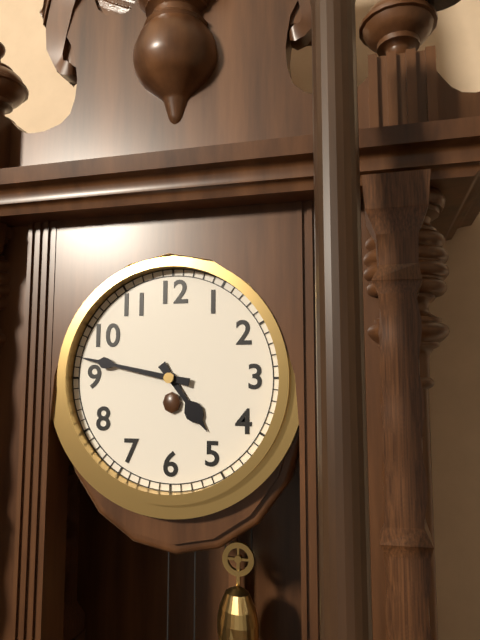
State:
4,47
